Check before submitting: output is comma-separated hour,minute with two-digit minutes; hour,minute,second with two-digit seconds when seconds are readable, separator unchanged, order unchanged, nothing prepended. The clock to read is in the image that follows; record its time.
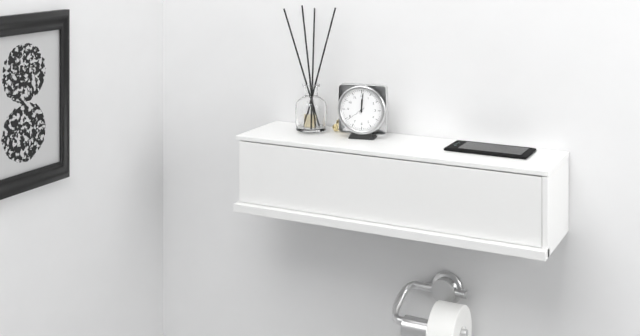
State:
12,01
